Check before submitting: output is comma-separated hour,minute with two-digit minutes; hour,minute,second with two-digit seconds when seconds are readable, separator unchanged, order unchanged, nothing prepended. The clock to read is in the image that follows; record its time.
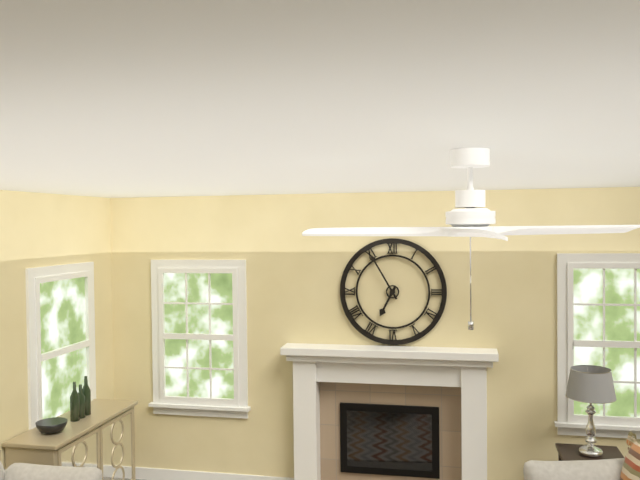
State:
6,55
